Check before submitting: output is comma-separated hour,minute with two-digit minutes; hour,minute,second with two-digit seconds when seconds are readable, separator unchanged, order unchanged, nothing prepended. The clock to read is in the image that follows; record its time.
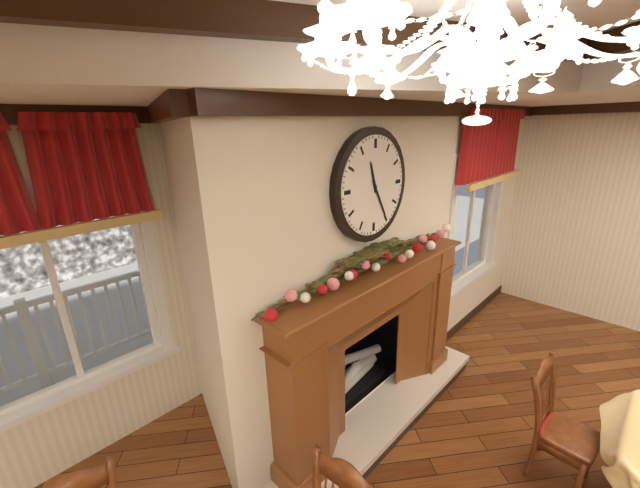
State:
11,25
